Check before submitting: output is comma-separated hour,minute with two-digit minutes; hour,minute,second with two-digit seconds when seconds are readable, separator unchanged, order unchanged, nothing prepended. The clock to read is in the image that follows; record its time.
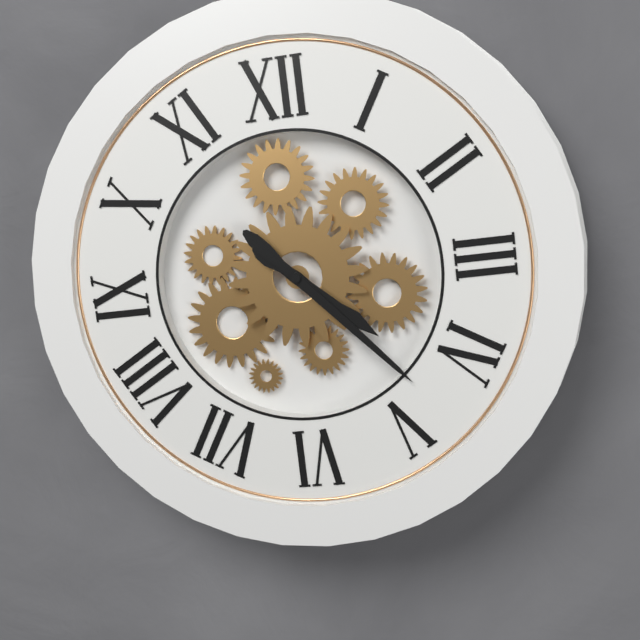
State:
4,23
